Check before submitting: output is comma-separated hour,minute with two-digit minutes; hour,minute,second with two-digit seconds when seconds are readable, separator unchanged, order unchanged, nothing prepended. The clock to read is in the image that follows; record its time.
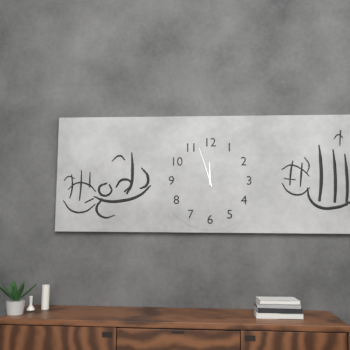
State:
11,57
